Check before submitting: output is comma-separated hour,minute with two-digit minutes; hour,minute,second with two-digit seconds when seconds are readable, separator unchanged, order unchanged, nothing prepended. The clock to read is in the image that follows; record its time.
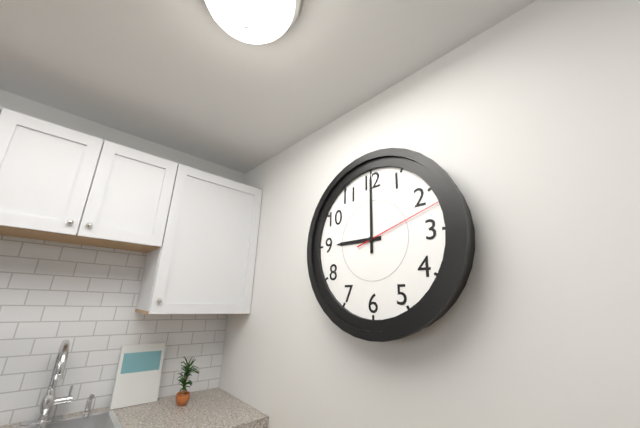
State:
9,00,12
